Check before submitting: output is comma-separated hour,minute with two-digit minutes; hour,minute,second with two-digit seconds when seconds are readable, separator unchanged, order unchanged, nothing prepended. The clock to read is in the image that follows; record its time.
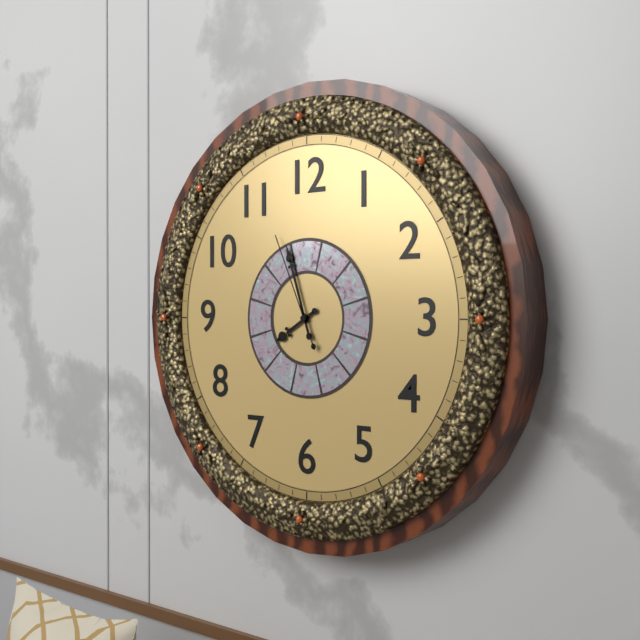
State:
7,57,56
